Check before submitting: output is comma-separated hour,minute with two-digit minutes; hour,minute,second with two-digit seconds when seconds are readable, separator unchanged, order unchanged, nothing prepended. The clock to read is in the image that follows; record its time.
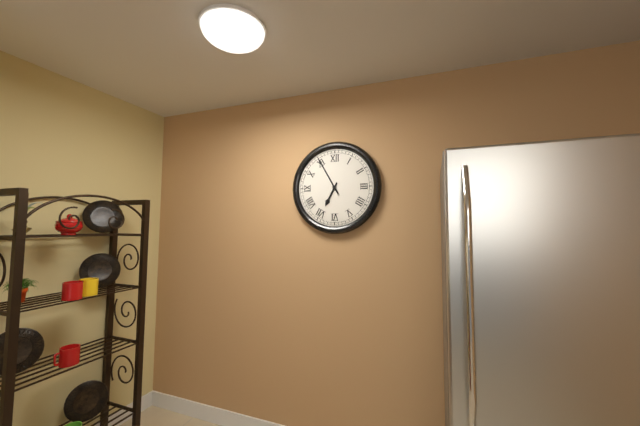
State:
6,55
